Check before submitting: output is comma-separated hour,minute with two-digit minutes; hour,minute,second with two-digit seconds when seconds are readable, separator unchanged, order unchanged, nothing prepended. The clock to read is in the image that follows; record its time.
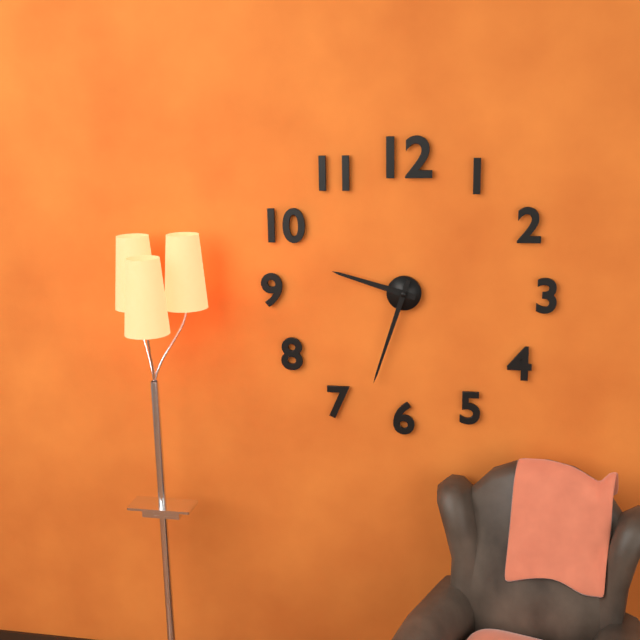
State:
9,33
